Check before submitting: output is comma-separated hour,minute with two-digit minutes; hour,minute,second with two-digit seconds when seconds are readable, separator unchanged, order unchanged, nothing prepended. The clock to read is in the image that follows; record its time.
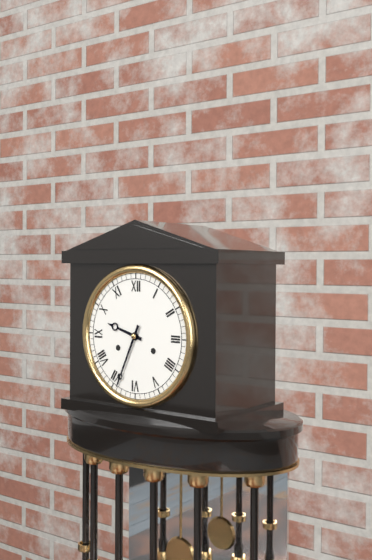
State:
9,34
